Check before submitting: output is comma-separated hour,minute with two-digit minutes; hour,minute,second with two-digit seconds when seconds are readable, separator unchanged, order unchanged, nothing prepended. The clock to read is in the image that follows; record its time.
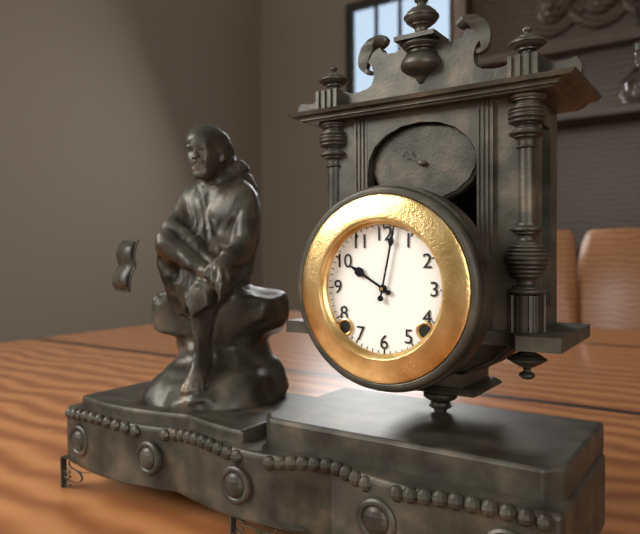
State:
10,02
